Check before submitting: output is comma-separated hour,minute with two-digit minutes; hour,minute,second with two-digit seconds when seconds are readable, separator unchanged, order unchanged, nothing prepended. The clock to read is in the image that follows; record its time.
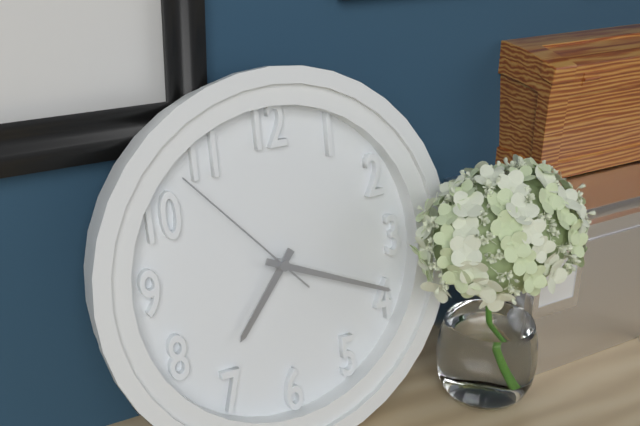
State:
7,19,53
